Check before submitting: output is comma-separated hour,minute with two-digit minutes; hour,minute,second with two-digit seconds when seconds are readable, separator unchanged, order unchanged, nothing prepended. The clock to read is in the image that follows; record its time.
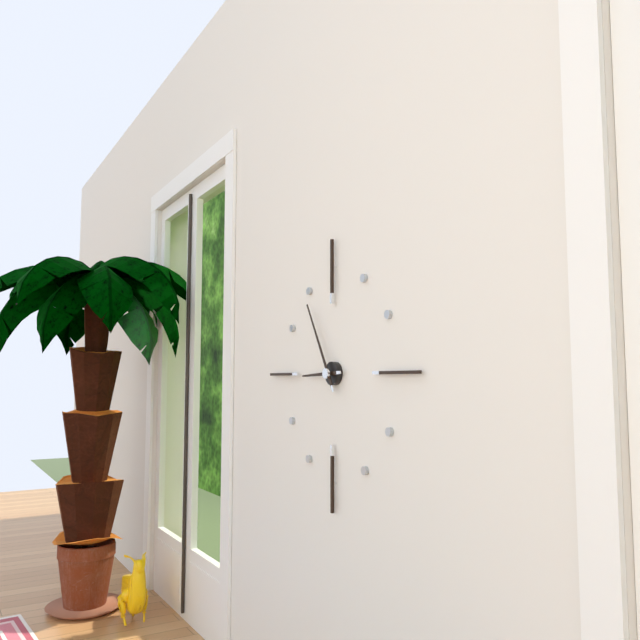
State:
8,55
